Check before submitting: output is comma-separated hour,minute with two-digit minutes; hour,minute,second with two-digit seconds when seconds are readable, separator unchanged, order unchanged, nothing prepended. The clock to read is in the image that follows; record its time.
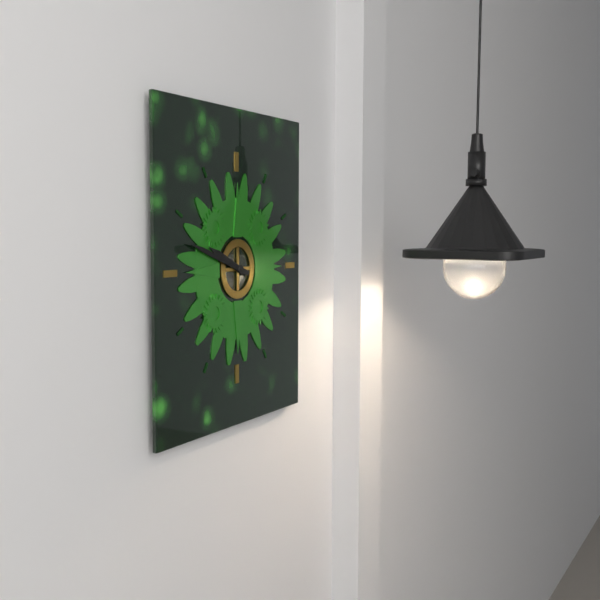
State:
9,48
